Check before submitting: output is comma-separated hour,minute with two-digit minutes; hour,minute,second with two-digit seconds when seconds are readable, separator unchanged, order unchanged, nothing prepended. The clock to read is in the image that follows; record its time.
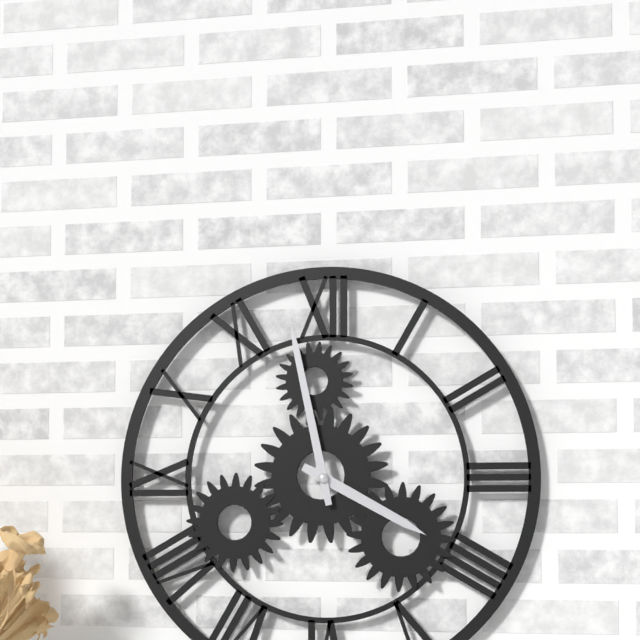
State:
3,58
